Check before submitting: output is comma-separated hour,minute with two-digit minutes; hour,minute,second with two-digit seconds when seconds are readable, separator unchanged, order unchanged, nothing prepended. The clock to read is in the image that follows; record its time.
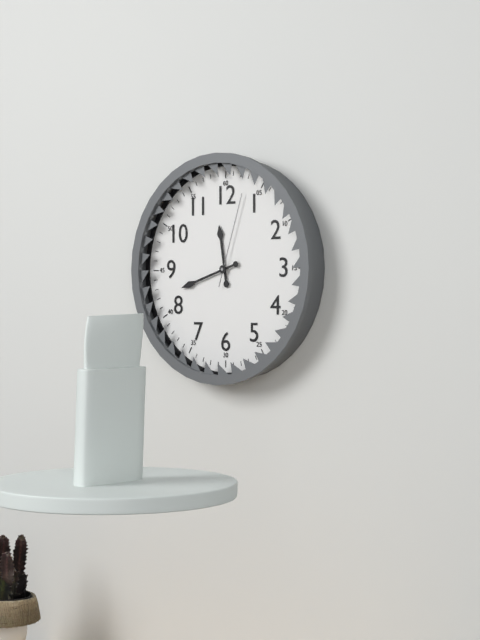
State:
11,42,03
